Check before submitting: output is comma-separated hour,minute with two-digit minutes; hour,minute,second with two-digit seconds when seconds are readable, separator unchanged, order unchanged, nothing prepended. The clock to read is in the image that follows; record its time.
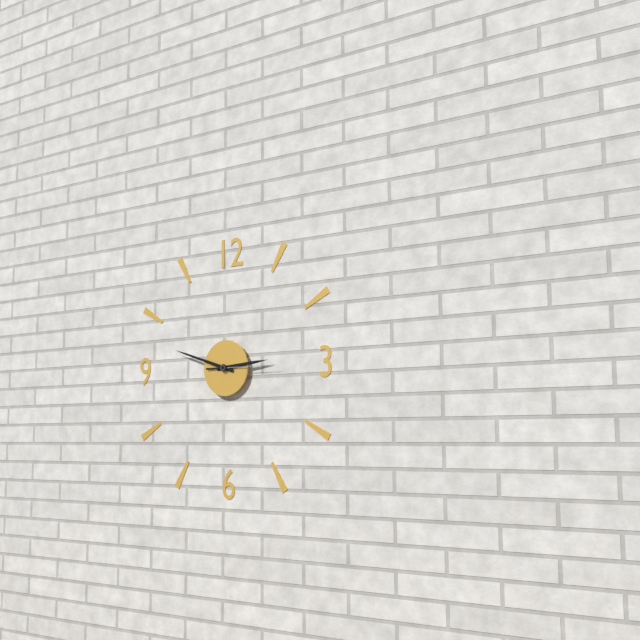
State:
2,48,15
